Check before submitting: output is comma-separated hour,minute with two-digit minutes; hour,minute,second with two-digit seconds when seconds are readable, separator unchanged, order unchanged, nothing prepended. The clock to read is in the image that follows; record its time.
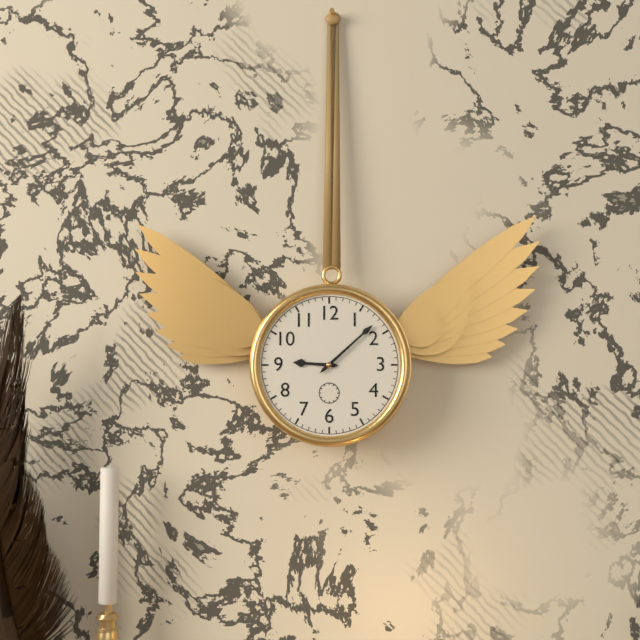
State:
9,08
